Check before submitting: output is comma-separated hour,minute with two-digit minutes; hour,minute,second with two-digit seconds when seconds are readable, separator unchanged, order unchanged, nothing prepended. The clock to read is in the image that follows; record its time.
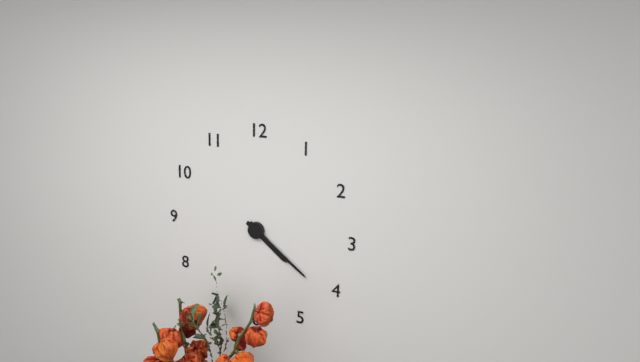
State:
4,21
